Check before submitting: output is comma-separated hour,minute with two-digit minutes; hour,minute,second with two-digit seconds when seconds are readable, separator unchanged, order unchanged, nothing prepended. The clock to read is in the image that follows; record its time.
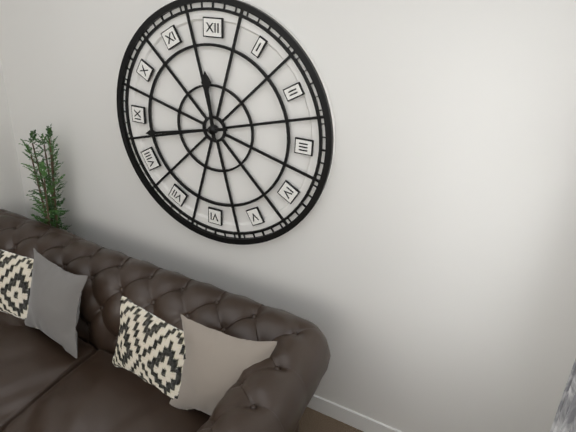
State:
11,43
